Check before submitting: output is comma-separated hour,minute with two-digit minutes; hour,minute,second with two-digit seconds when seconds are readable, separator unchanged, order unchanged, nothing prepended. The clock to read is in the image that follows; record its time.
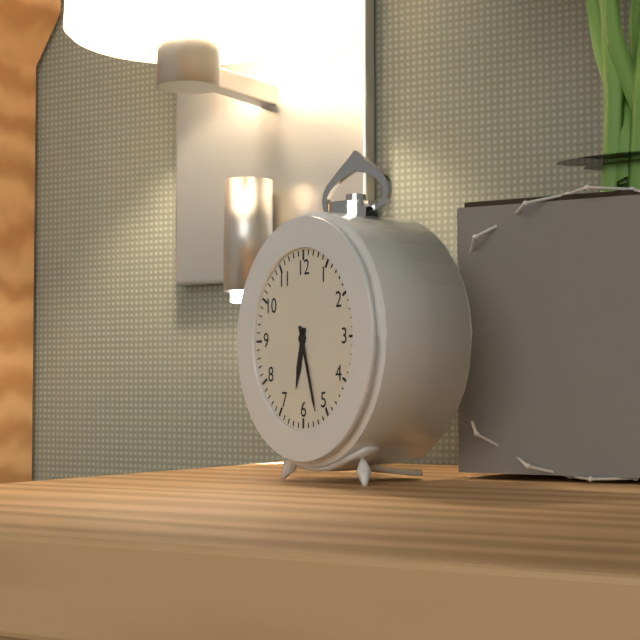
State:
6,27
